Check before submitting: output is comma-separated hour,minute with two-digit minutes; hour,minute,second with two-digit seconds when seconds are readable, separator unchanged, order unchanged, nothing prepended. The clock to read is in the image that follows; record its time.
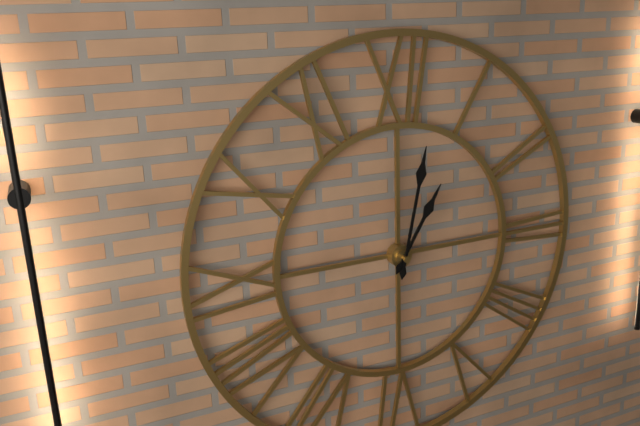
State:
1,02
